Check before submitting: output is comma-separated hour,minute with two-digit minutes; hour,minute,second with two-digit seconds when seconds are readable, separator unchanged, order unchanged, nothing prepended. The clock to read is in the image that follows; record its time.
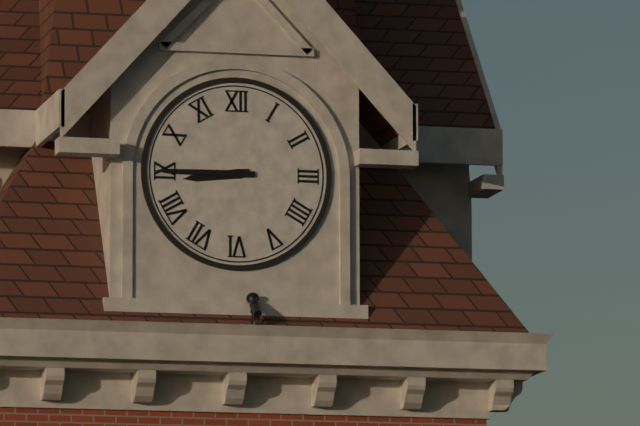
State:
8,45
